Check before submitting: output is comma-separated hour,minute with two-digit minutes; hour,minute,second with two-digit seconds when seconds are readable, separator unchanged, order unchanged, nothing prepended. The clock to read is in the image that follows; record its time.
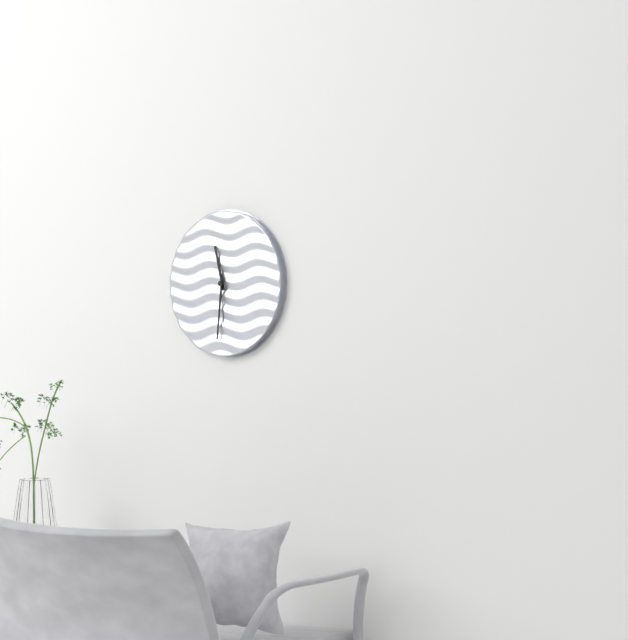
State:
11,31,29
